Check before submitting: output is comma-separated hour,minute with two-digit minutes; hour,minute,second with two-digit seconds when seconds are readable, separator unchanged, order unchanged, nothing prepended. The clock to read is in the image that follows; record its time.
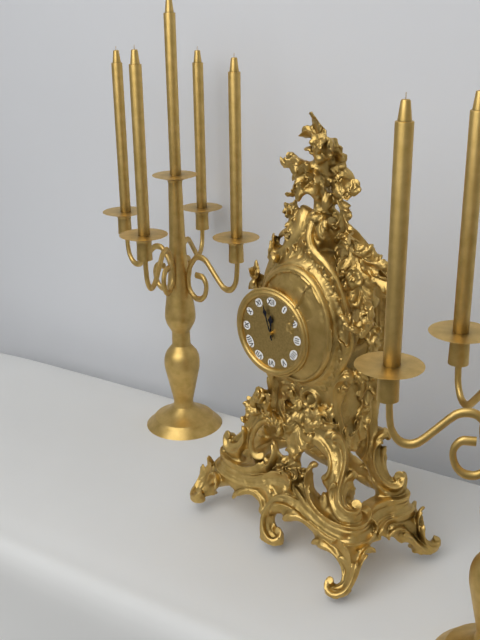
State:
11,57
